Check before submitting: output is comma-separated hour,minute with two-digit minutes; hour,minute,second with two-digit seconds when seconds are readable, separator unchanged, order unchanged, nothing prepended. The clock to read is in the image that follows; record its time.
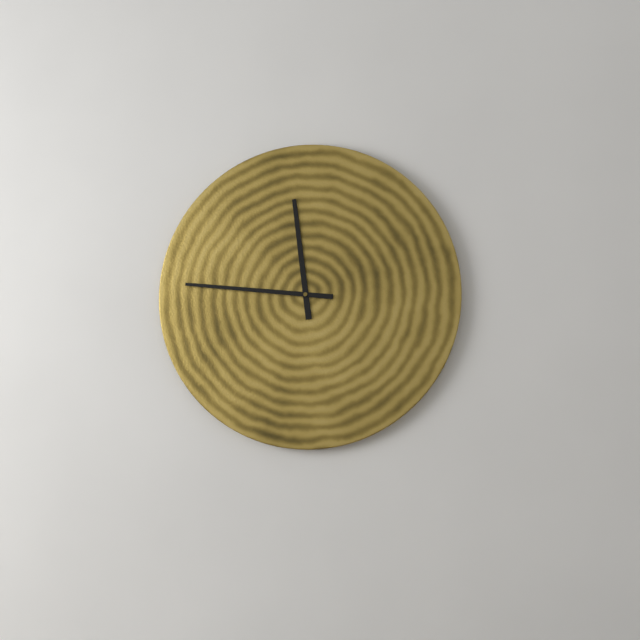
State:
11,46
